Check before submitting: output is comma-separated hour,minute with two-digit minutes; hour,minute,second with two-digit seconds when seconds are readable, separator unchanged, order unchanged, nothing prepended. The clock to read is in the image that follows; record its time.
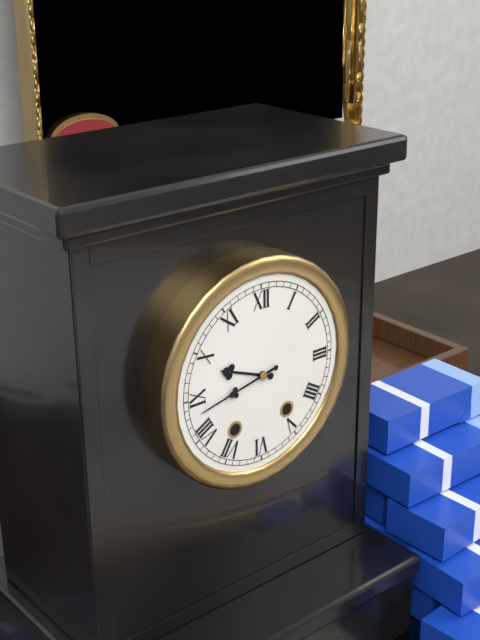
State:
9,43
